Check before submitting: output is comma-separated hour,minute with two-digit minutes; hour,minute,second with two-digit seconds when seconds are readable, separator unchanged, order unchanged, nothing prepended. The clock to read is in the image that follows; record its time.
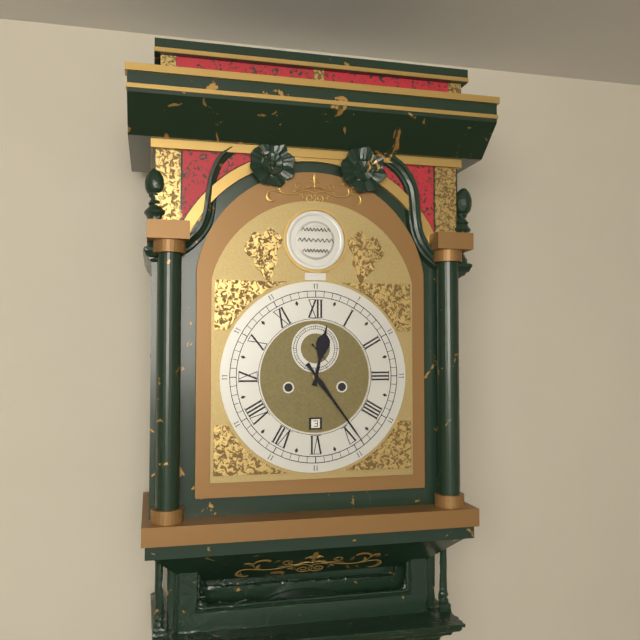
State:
12,24
